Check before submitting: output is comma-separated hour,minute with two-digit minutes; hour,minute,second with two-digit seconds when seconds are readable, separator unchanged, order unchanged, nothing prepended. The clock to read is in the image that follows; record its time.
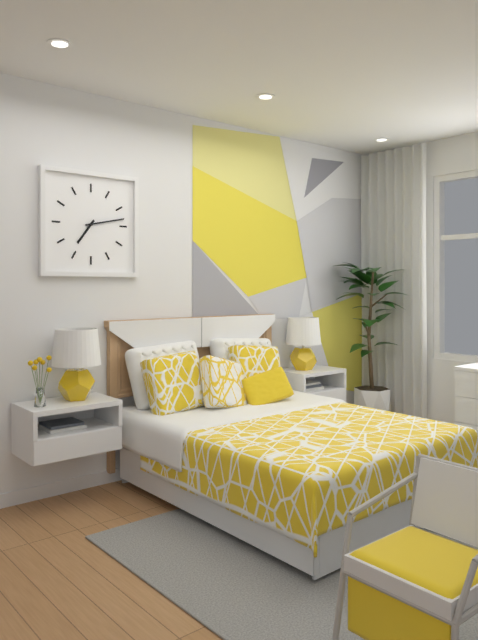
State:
7,13
